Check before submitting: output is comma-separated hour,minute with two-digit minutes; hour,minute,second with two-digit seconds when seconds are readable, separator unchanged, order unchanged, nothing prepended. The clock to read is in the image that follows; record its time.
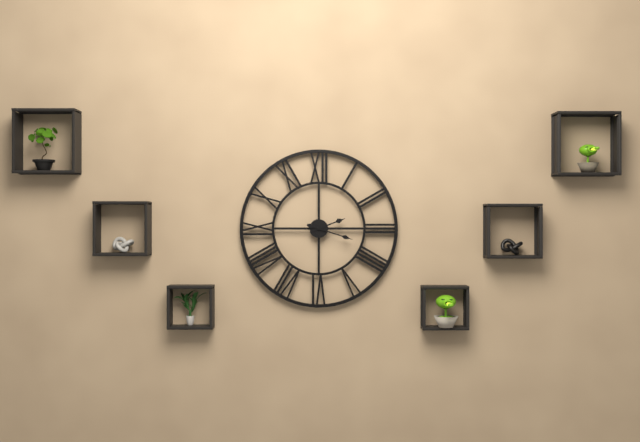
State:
2,18
